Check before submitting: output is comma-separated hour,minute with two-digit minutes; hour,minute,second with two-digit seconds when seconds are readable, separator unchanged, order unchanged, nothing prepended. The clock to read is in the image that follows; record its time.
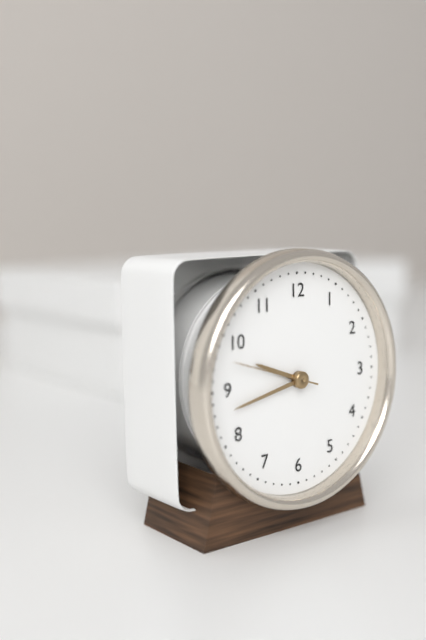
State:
9,43,48
